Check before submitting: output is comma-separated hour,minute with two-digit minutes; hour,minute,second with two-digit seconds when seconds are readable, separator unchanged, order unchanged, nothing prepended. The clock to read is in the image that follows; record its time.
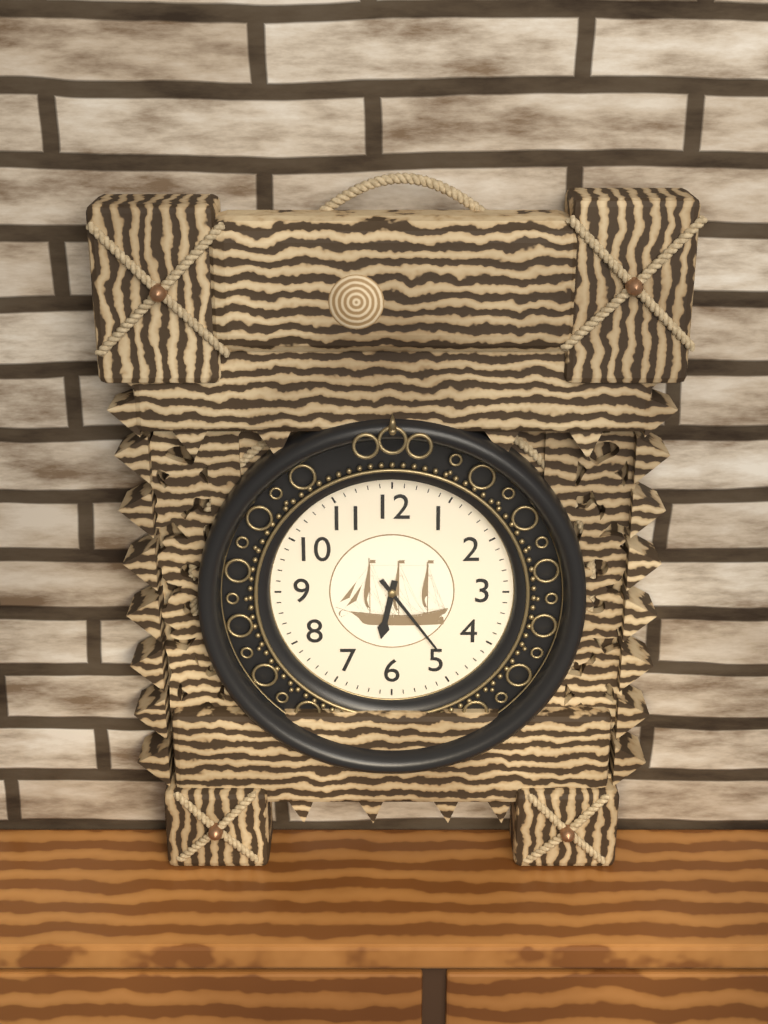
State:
6,24
